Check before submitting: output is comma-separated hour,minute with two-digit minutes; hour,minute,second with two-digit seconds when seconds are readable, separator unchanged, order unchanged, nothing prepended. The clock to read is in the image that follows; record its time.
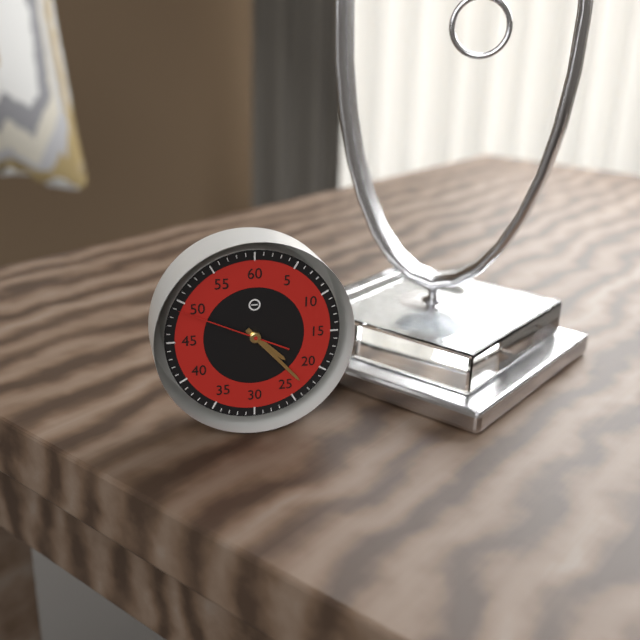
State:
4,23,49
